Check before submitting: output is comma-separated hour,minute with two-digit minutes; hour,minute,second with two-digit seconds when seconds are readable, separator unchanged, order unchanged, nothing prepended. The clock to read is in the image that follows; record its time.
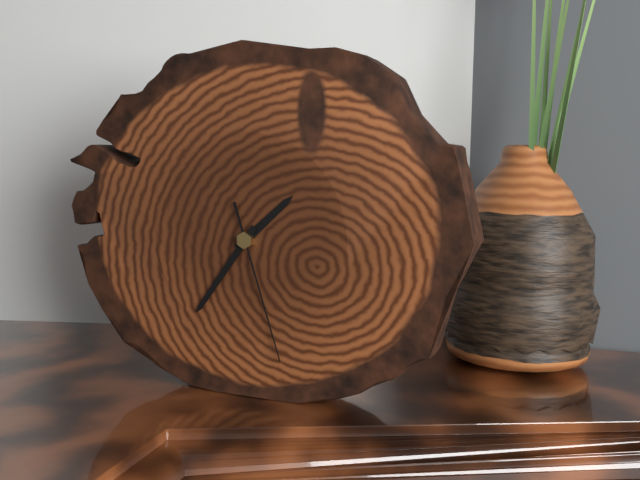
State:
1,36,27
